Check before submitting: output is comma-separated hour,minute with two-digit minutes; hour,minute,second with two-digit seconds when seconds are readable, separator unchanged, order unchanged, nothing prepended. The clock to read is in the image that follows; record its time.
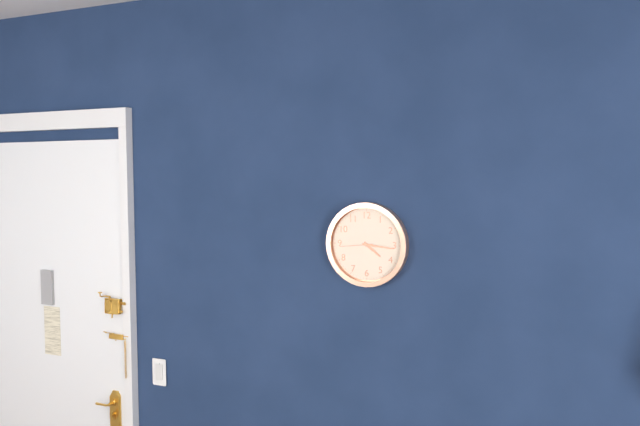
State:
4,16
